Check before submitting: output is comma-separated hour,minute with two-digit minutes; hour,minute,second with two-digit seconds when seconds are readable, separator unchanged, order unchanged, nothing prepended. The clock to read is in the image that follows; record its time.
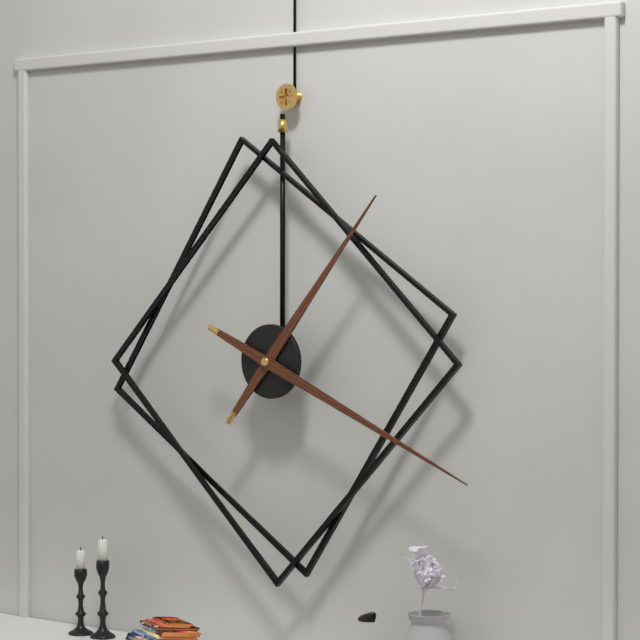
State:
1,19
